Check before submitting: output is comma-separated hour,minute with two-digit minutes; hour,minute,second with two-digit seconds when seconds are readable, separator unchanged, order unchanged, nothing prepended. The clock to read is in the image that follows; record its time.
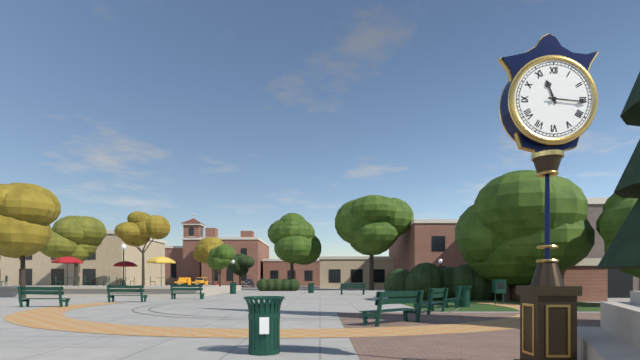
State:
11,16
